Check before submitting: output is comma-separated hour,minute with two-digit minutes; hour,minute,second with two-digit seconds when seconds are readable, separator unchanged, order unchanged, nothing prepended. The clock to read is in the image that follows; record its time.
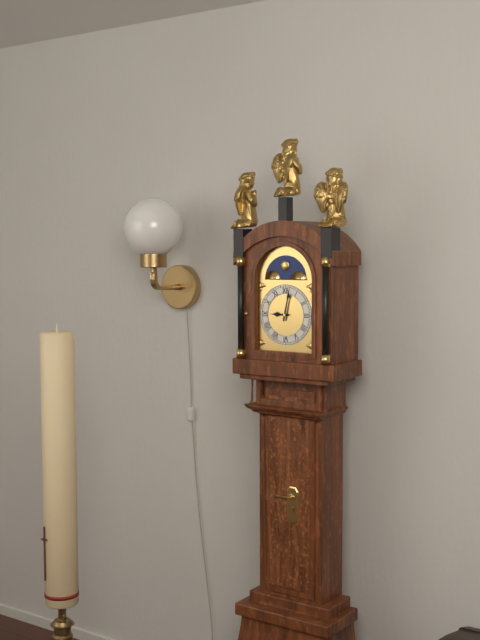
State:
9,02
